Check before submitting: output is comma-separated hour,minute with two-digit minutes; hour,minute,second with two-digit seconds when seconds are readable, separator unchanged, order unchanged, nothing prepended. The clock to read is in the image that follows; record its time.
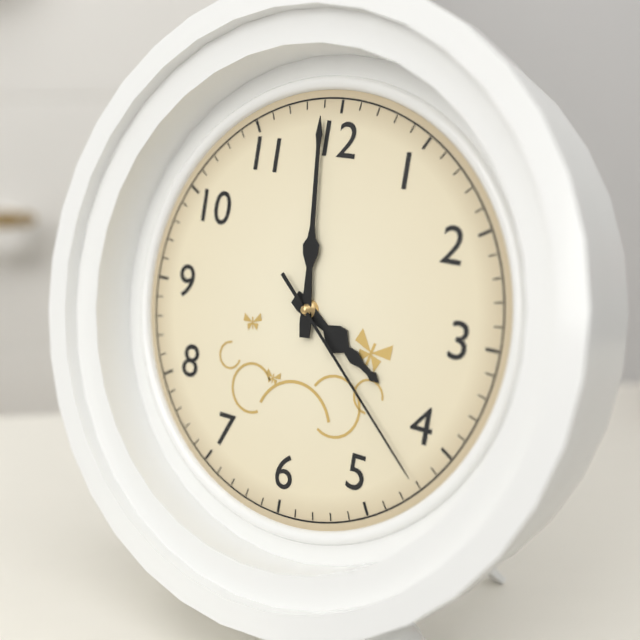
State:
3,59,22
